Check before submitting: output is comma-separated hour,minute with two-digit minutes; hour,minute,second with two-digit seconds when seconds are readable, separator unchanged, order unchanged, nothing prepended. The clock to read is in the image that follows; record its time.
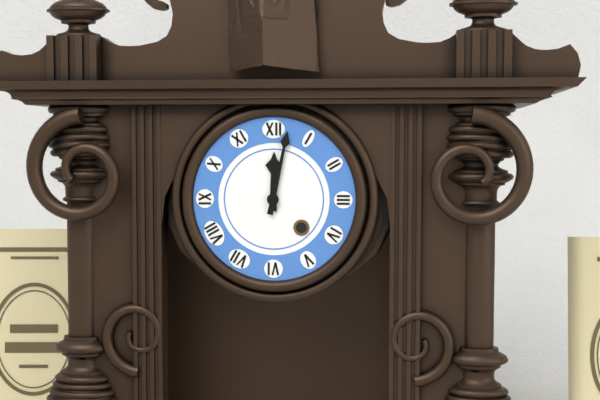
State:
12,02
